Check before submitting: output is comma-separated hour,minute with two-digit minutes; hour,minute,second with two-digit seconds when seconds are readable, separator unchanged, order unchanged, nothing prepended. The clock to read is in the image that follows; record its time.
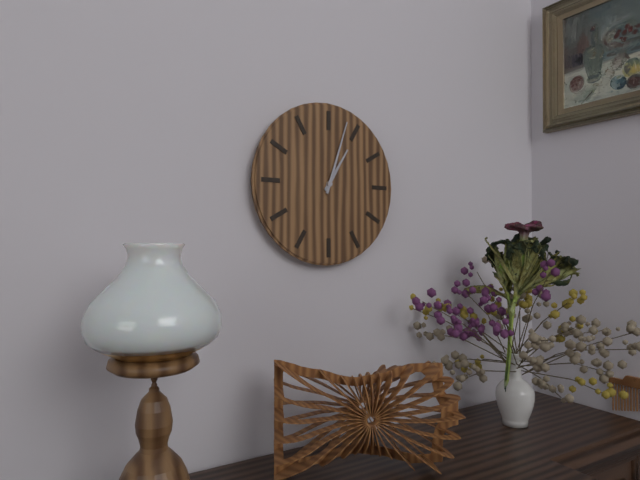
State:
1,03
